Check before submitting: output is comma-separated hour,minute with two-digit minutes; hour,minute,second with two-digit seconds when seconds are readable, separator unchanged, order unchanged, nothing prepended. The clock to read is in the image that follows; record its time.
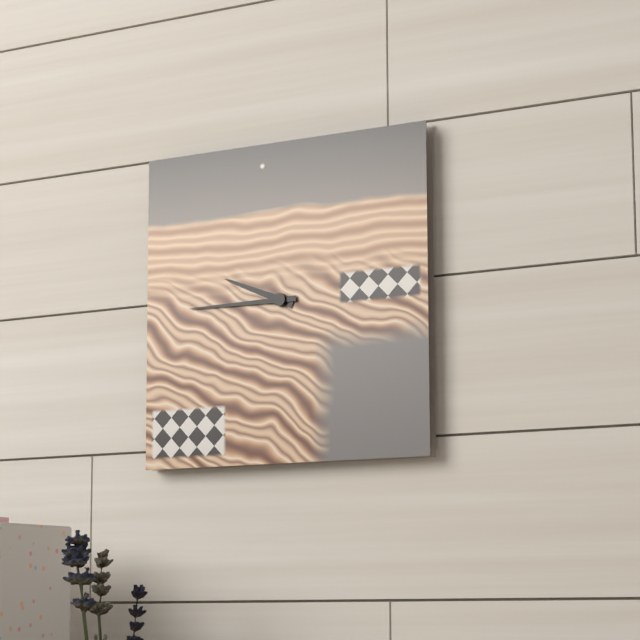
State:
9,45
